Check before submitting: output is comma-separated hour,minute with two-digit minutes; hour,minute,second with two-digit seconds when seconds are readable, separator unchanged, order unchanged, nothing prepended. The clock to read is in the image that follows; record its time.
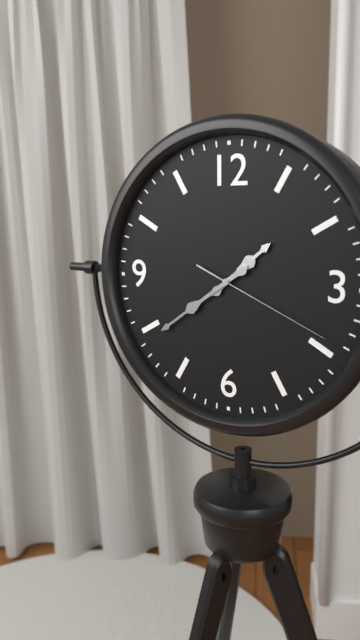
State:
1,39,19
